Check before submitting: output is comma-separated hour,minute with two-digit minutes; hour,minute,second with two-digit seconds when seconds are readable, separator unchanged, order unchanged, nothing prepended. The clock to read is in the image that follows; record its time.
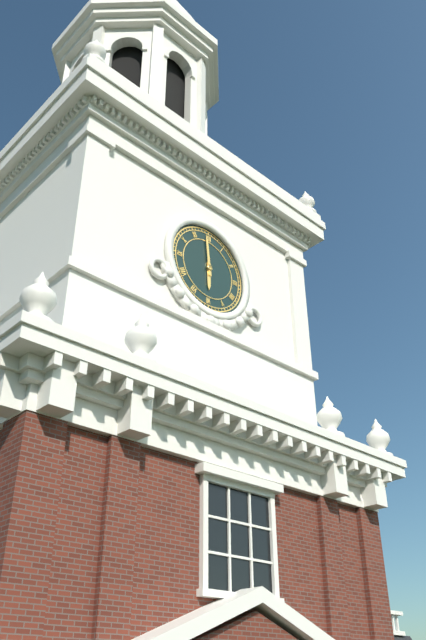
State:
5,59
